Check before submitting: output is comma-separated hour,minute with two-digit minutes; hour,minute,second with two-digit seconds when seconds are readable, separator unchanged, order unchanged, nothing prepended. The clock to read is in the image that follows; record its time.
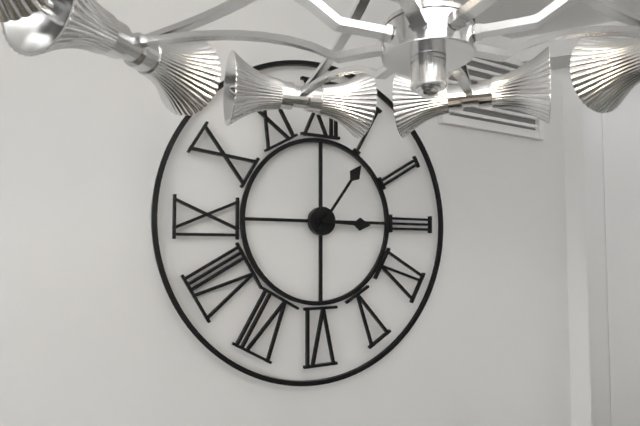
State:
3,06
